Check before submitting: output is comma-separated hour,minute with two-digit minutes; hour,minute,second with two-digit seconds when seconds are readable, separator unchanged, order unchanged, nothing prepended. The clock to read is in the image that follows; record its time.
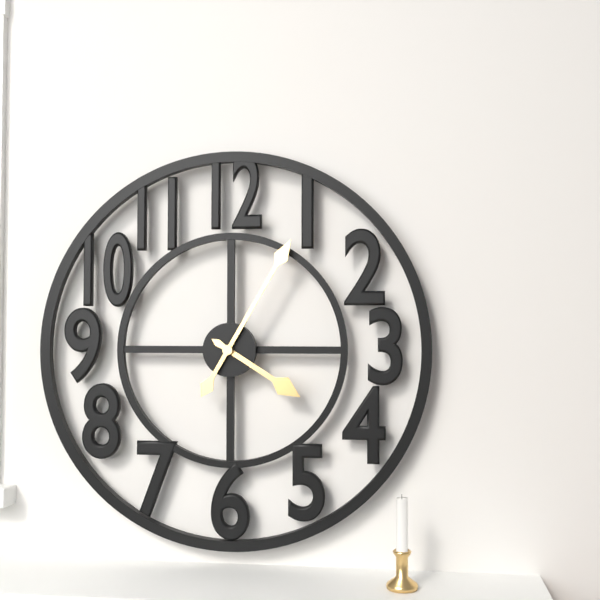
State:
4,05
